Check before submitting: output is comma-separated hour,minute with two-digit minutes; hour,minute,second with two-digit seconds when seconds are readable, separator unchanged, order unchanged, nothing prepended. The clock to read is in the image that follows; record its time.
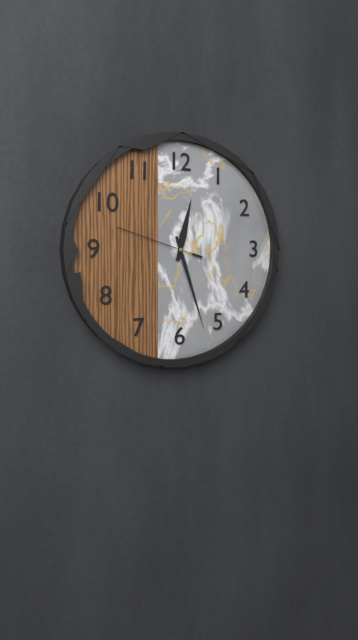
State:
12,27,48
